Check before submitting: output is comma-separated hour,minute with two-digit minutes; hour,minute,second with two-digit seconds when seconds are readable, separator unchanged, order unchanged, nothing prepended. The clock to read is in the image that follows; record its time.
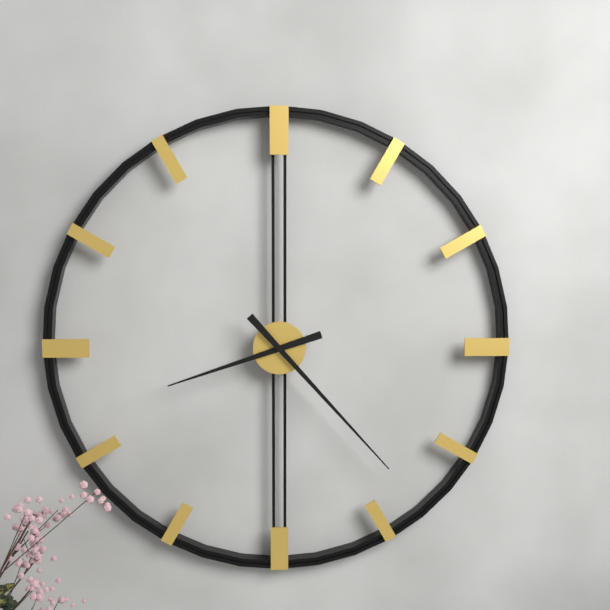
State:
8,23
